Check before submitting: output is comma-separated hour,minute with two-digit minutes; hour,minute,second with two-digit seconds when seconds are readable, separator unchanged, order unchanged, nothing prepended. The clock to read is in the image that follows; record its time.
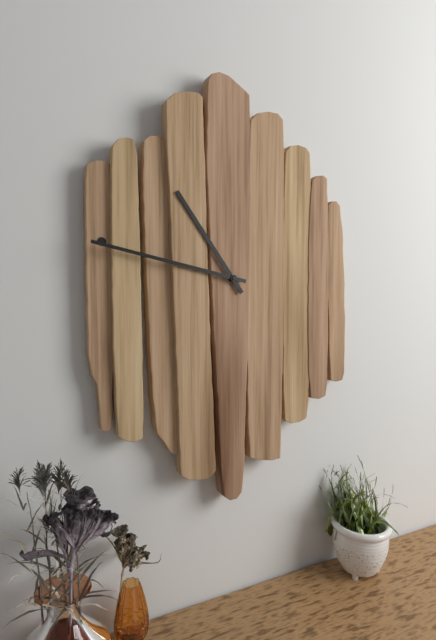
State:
10,47
